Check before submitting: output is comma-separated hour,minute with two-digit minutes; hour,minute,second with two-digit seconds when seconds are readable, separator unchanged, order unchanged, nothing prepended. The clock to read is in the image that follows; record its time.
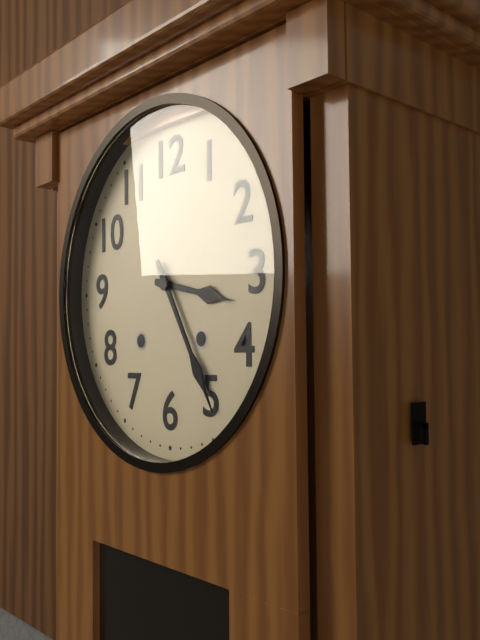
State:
3,25
